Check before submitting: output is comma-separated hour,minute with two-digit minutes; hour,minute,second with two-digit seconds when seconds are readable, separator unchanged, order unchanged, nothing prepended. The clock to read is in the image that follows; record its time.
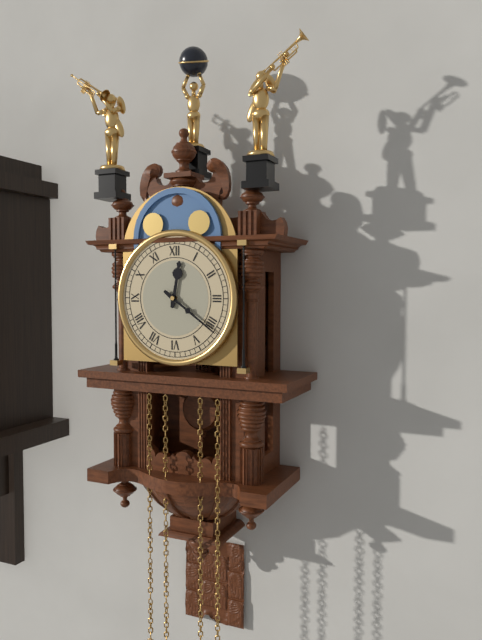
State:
12,21
